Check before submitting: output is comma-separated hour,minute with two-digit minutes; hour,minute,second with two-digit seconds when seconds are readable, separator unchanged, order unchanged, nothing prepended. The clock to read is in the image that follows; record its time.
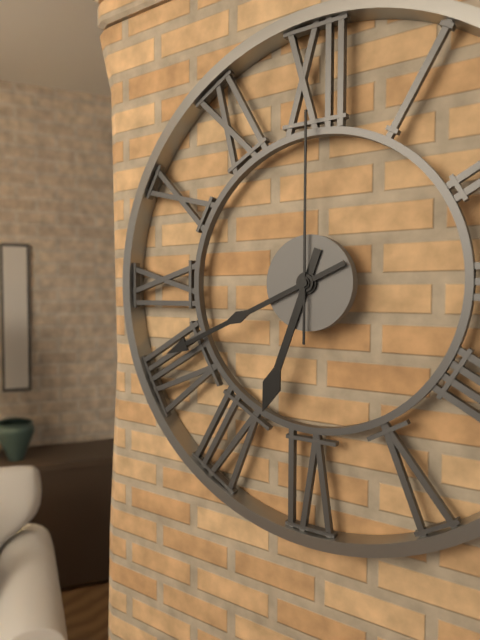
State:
6,41,00
